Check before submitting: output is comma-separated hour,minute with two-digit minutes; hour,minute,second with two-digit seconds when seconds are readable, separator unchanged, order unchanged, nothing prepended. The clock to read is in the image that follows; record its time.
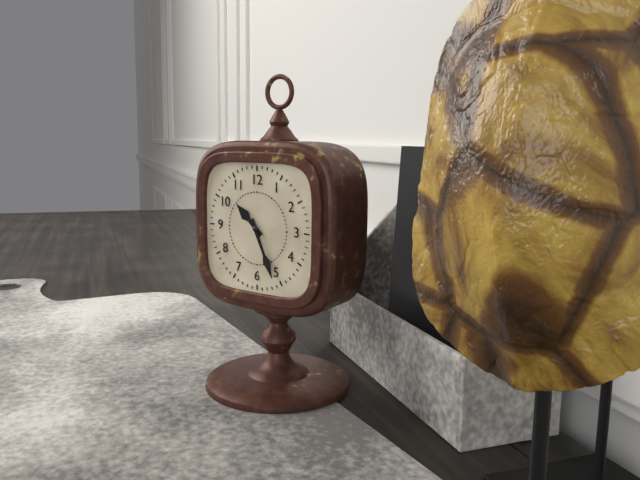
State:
10,26
